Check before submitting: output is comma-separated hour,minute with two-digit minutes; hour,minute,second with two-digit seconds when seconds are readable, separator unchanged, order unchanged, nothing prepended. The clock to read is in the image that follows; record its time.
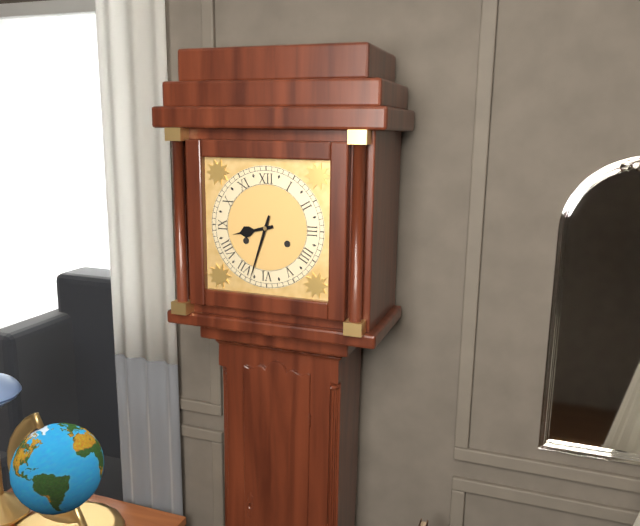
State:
8,33
